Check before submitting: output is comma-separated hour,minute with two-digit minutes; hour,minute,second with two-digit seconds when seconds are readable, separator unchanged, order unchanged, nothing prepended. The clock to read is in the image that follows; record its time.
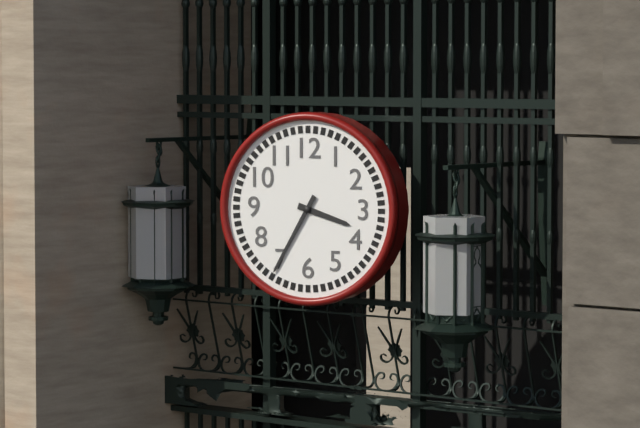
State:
3,35
